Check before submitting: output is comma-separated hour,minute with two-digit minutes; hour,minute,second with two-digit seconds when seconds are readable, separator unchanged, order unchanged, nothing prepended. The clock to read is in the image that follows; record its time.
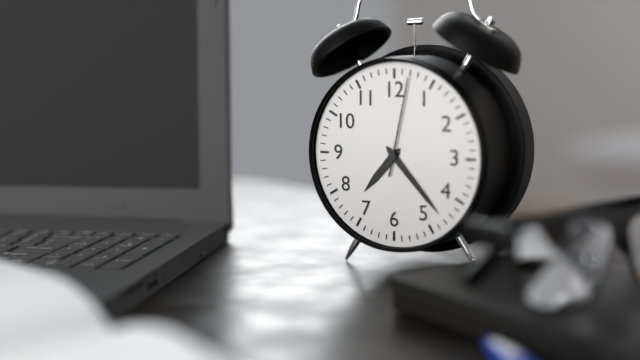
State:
7,23,02
